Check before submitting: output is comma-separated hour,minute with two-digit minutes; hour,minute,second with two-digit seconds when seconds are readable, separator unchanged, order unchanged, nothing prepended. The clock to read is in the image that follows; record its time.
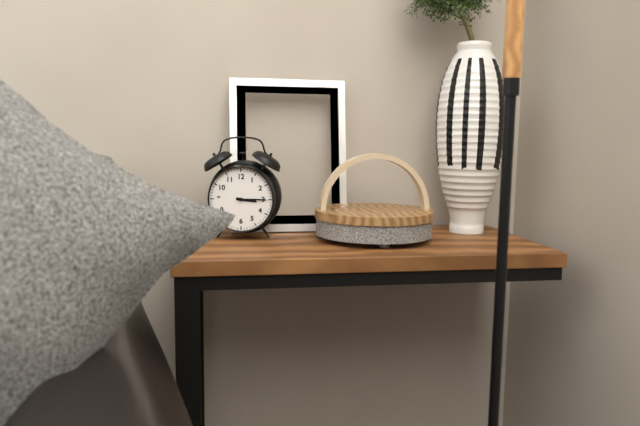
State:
3,15
